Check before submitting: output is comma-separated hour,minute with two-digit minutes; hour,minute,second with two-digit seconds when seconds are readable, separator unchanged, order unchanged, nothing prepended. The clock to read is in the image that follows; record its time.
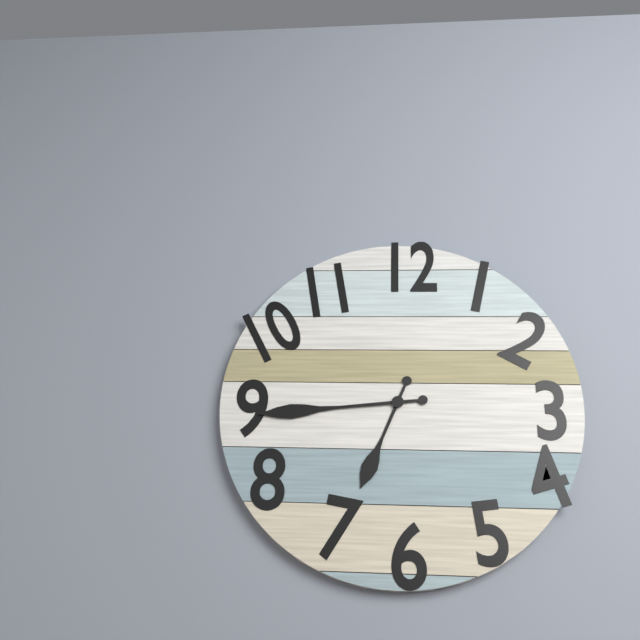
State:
6,44
